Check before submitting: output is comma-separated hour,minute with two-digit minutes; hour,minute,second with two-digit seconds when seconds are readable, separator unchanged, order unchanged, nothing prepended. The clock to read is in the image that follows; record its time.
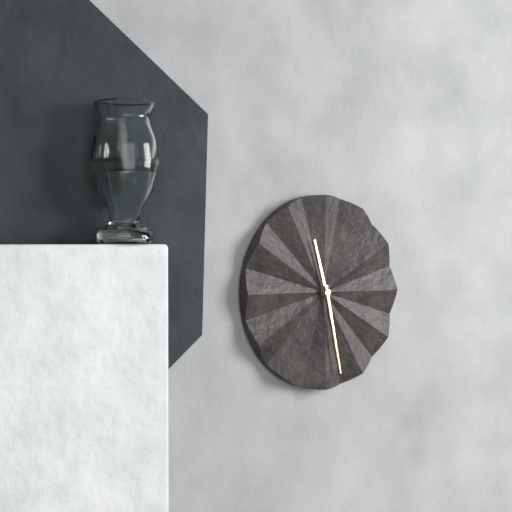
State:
11,28
